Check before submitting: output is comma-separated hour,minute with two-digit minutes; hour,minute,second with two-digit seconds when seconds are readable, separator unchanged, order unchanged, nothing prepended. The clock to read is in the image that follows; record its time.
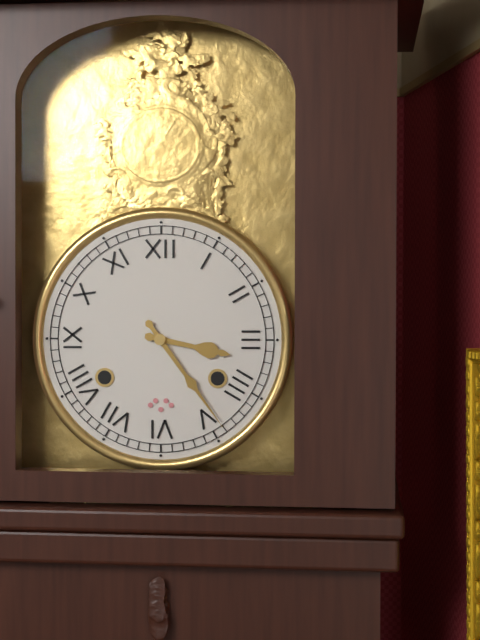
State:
3,24
